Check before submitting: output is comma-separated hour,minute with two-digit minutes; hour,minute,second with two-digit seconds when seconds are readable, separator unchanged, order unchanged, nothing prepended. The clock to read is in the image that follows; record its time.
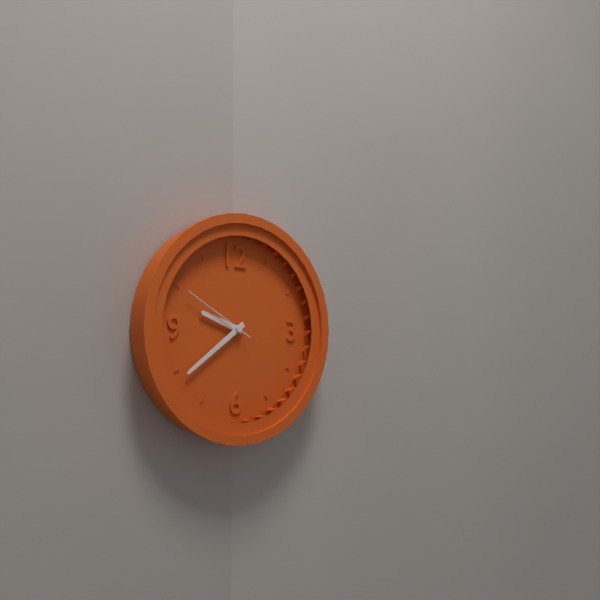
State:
9,39,50
